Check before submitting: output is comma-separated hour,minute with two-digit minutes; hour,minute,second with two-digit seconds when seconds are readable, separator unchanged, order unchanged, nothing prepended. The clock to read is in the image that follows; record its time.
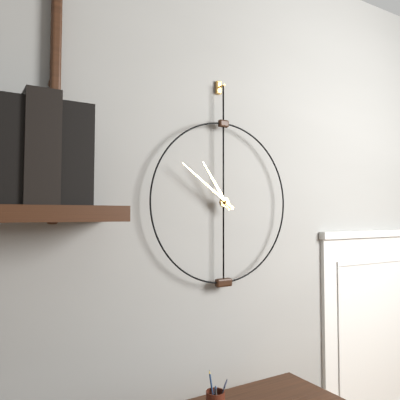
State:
10,51
